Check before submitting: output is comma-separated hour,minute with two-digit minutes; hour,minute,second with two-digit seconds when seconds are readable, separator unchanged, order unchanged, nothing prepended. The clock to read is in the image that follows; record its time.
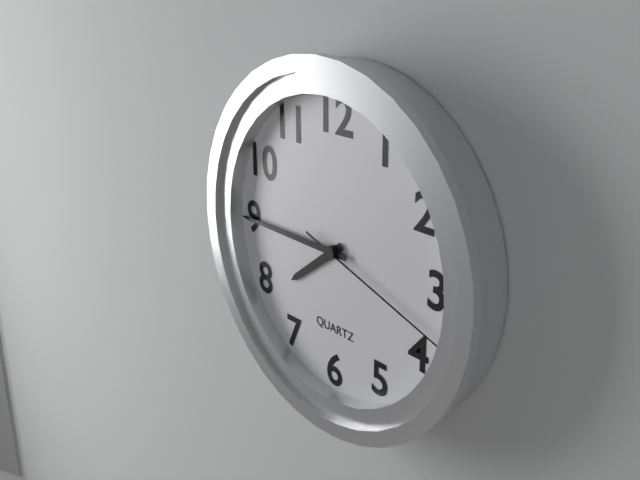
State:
7,45,18
